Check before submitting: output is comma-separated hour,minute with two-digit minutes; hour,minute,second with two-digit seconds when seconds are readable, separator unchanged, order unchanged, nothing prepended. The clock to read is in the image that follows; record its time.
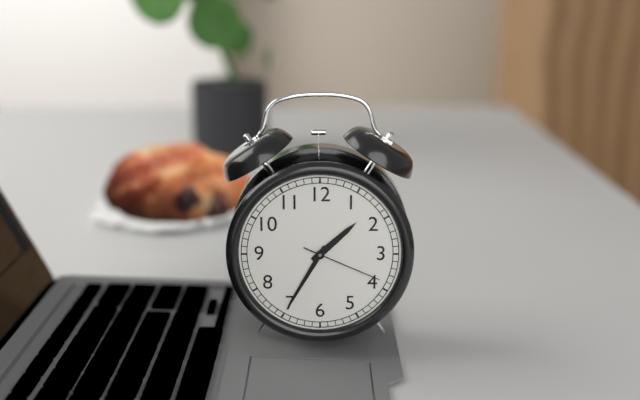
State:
1,35,19
